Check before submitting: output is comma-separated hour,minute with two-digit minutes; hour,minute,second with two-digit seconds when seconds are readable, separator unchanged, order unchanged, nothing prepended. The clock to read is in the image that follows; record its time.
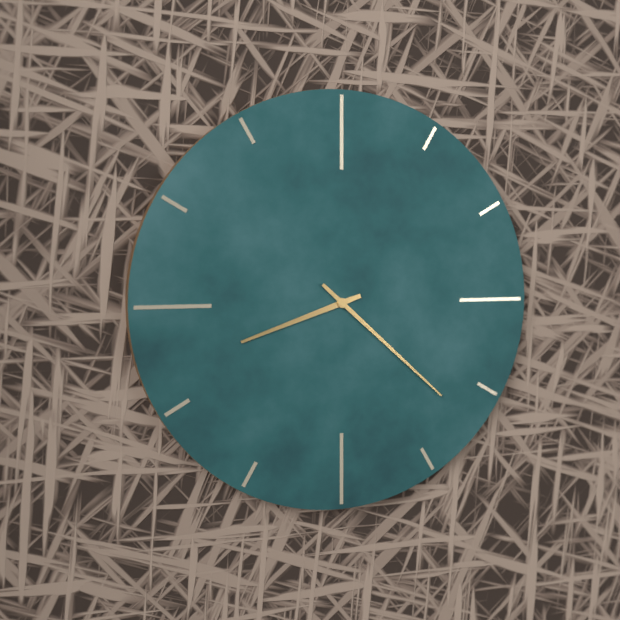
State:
8,22
